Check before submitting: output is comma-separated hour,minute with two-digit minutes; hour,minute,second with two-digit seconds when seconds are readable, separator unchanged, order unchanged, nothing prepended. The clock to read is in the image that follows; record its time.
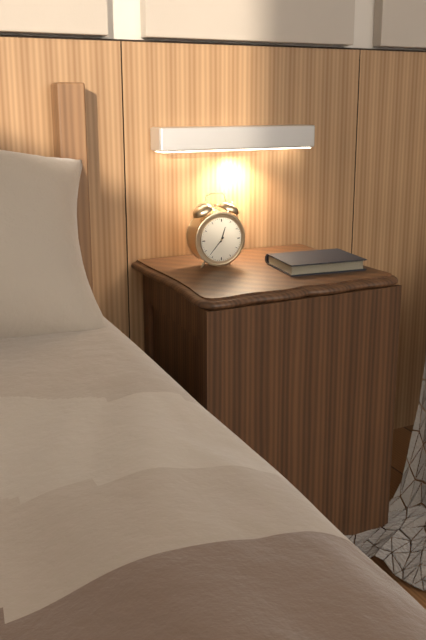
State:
12,37
